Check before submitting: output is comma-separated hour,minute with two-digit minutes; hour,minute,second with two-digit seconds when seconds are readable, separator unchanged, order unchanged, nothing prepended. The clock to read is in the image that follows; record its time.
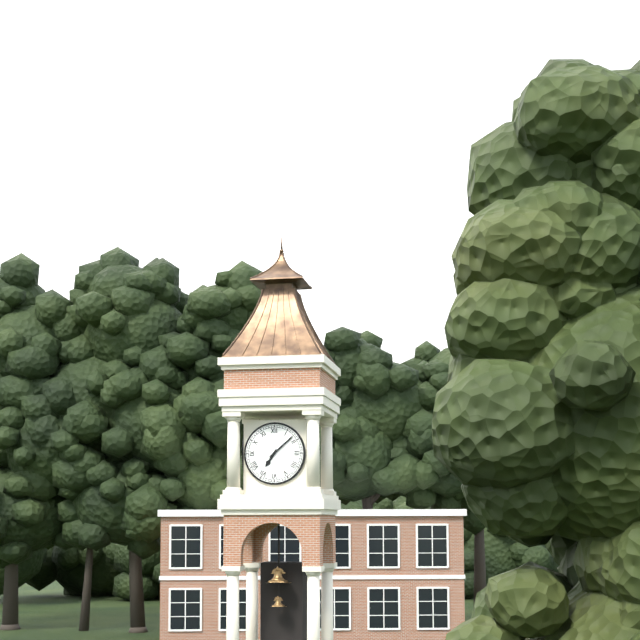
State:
7,08
